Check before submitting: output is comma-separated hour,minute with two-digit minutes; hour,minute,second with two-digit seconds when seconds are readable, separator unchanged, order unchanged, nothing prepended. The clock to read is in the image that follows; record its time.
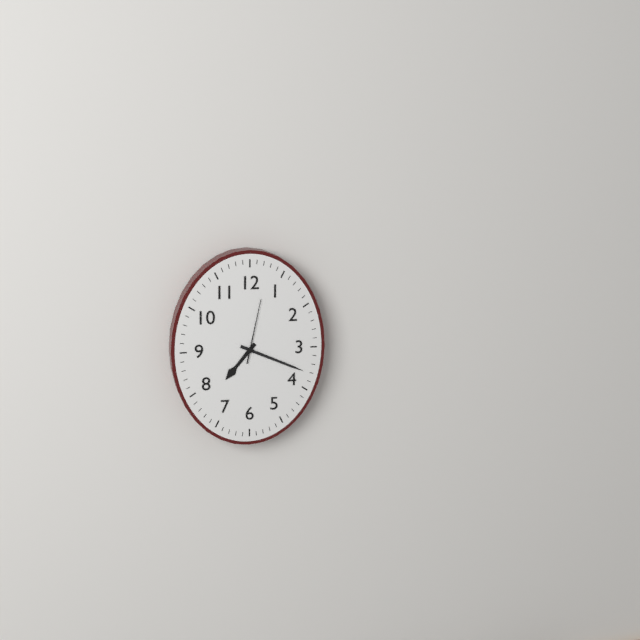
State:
7,19,02
